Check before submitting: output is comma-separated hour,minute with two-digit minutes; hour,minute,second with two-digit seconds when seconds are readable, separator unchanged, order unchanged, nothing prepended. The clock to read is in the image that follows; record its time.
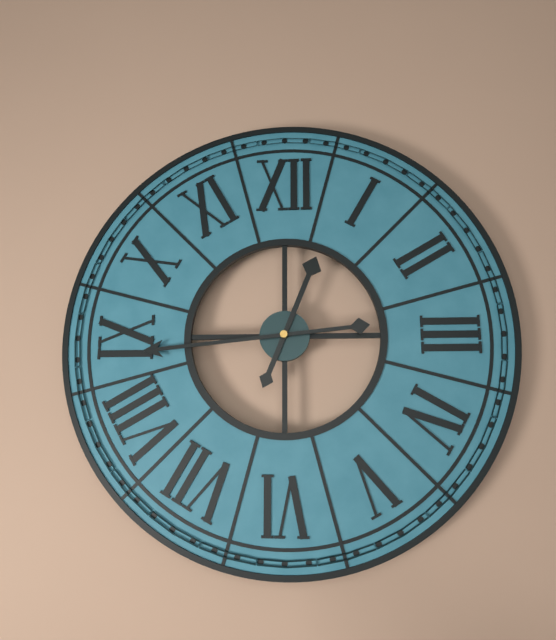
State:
12,44
